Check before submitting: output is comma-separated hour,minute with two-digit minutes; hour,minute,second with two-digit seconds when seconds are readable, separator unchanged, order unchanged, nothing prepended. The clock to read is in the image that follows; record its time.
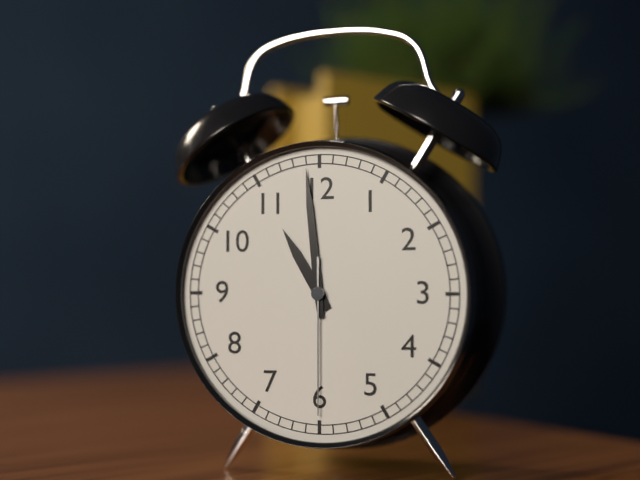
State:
10,59,30
